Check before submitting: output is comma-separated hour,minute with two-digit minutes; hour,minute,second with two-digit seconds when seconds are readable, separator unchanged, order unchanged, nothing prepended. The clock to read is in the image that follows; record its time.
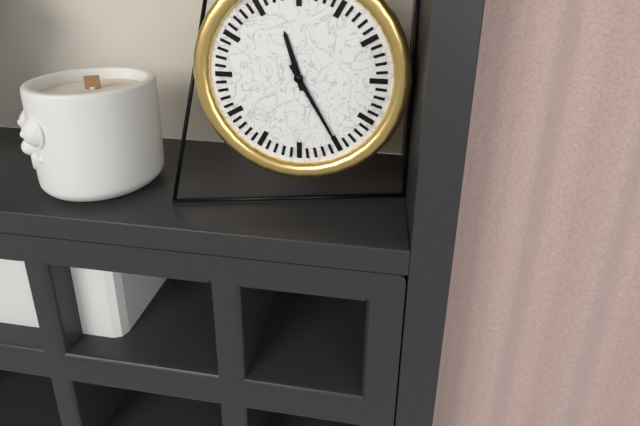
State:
11,25
